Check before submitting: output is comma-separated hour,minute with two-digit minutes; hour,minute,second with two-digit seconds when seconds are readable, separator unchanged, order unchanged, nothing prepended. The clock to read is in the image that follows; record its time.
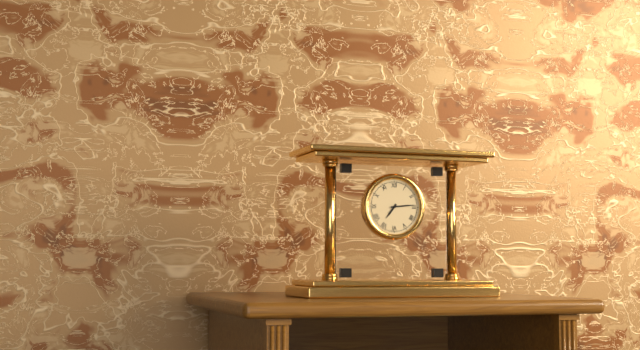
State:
7,14
